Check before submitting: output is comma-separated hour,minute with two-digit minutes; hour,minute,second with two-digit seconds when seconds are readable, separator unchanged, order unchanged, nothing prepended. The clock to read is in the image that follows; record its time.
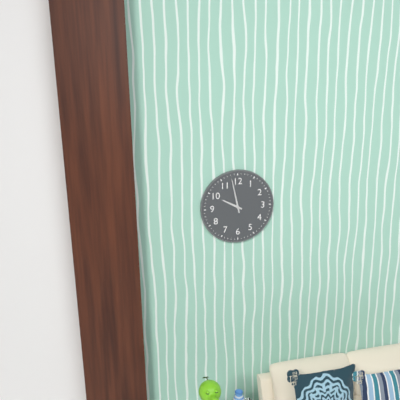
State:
9,58
